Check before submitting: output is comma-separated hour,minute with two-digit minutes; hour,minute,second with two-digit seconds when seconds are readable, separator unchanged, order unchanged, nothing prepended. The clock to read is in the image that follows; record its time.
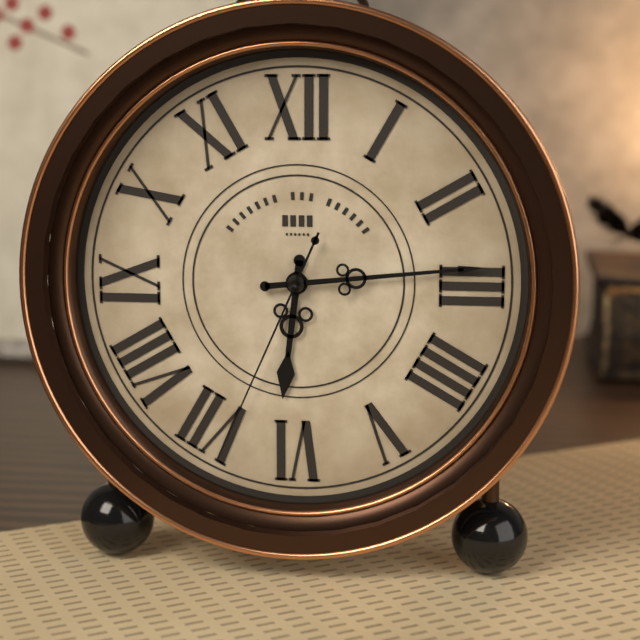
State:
6,14,34
